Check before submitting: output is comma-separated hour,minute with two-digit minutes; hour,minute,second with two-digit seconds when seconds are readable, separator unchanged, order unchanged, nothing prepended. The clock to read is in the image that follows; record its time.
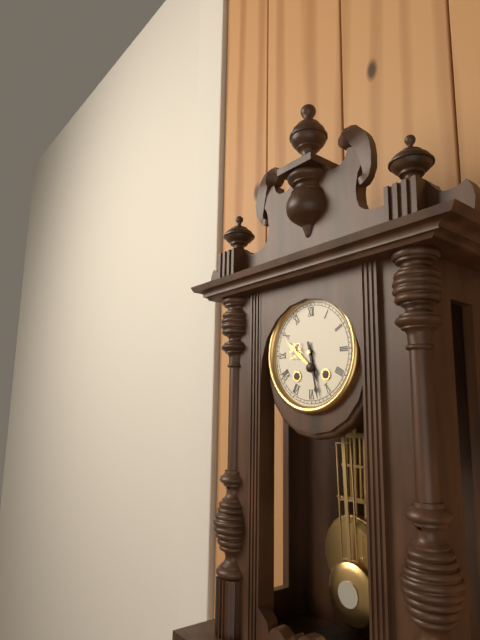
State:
5,28
